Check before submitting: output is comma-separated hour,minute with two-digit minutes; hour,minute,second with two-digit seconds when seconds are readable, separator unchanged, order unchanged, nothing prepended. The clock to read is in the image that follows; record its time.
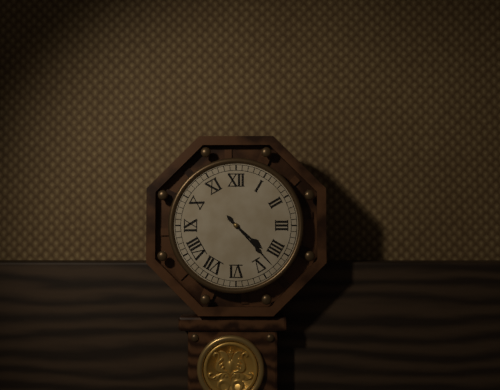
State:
4,23
